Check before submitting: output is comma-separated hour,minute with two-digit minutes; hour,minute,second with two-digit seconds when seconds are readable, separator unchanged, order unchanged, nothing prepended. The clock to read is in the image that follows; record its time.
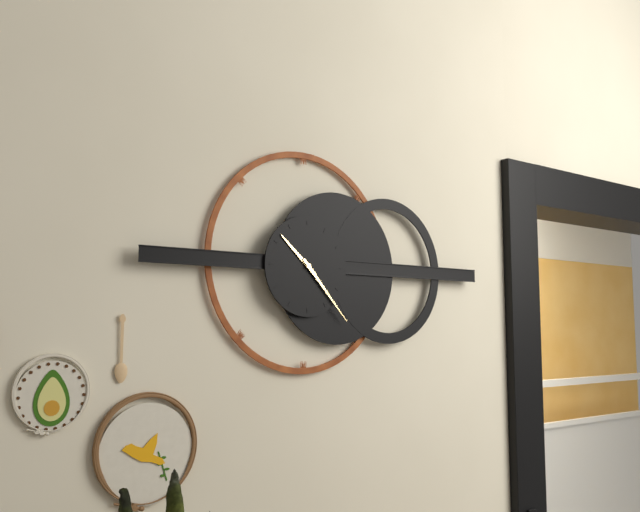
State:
10,23
